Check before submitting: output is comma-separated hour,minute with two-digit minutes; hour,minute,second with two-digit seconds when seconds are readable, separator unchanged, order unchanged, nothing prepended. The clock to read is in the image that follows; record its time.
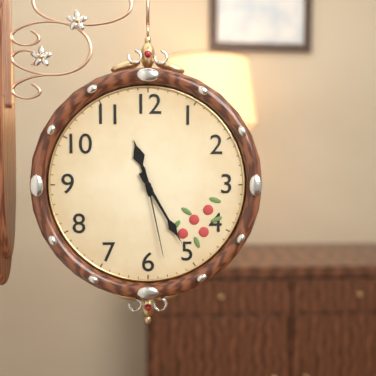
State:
11,25,28
